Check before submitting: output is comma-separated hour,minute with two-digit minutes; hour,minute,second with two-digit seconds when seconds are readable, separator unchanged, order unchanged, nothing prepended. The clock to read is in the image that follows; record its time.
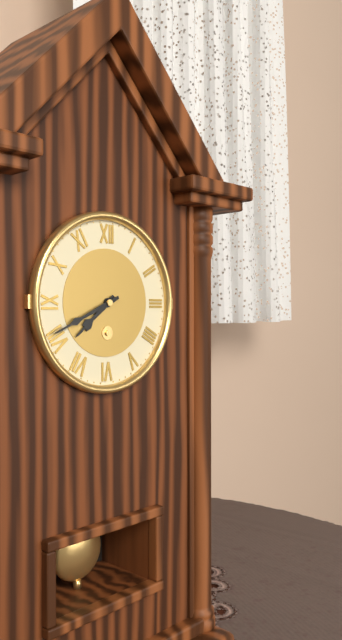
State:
7,41
